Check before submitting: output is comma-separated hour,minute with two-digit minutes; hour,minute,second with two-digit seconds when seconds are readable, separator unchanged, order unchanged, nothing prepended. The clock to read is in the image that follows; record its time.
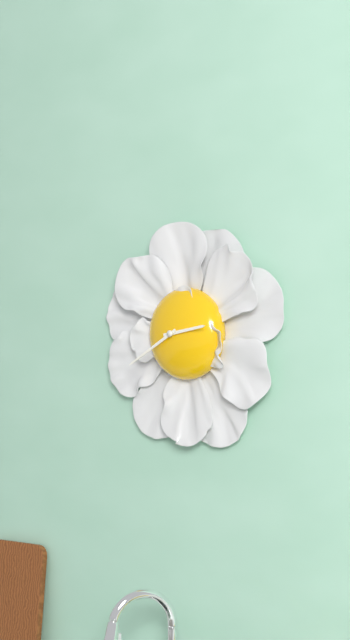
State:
2,40
